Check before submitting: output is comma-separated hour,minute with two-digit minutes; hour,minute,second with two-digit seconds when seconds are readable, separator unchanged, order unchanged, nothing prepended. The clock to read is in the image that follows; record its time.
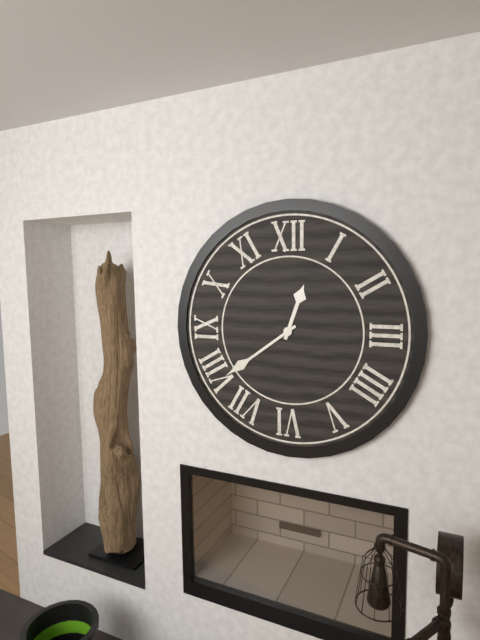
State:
12,39
